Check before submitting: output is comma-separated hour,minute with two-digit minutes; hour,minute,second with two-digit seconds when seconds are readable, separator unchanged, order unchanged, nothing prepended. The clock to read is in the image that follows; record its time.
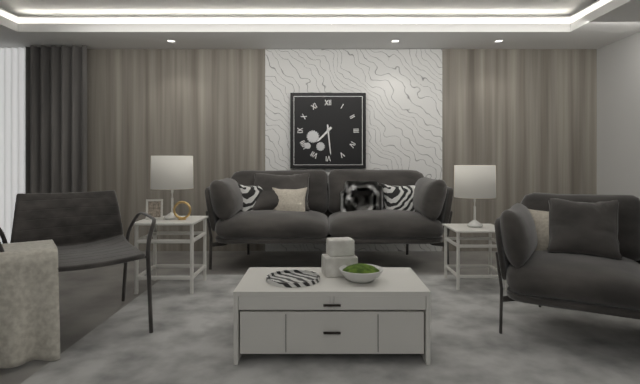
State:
7,29
